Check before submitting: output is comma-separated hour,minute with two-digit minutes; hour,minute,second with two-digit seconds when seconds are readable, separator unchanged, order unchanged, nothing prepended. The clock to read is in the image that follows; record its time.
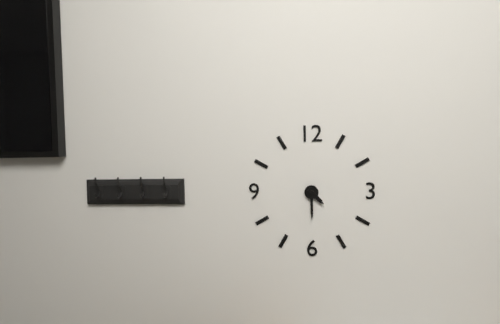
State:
4,30
